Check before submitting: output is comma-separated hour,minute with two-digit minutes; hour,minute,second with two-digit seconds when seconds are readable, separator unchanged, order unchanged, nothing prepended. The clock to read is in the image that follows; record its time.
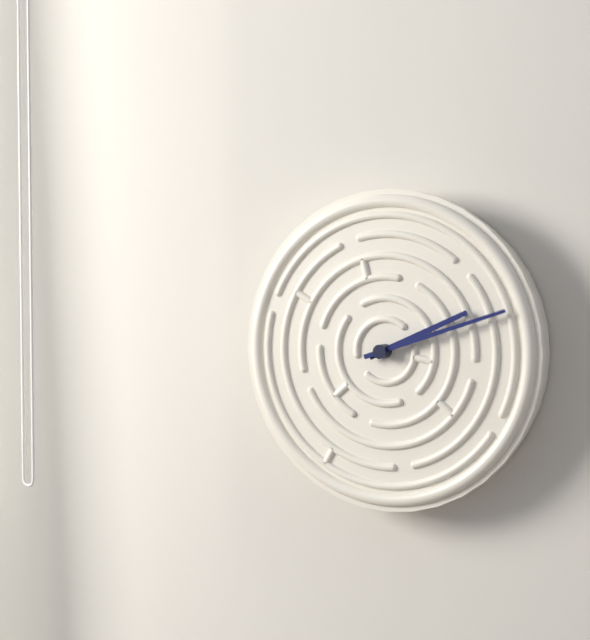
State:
2,12
